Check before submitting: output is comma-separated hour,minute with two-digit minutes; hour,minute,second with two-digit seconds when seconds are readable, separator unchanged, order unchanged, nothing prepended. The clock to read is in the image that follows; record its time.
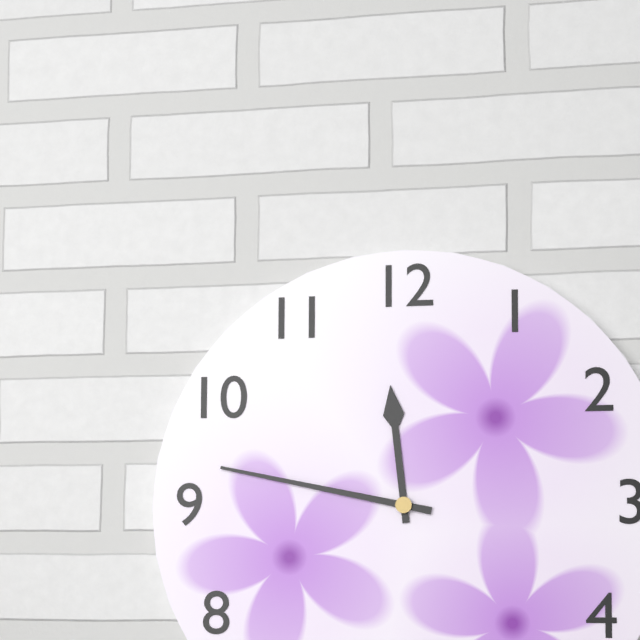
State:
11,47
